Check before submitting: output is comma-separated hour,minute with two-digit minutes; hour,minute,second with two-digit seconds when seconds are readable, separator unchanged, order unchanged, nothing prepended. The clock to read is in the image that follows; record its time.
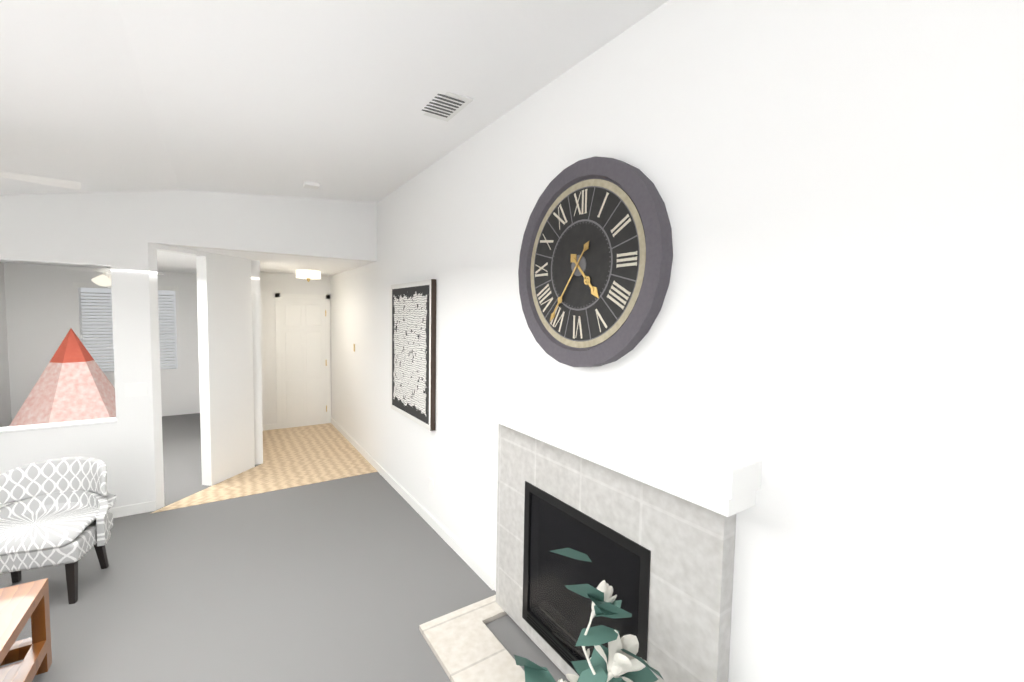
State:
4,36
